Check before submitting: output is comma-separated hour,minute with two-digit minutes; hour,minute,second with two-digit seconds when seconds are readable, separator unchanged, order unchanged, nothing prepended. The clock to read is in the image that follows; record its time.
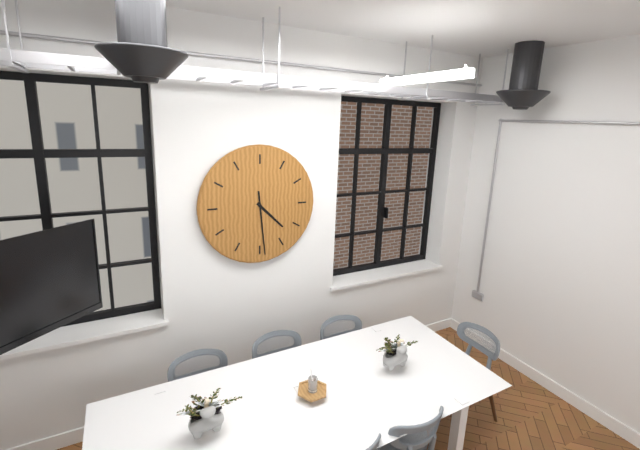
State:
4,29
